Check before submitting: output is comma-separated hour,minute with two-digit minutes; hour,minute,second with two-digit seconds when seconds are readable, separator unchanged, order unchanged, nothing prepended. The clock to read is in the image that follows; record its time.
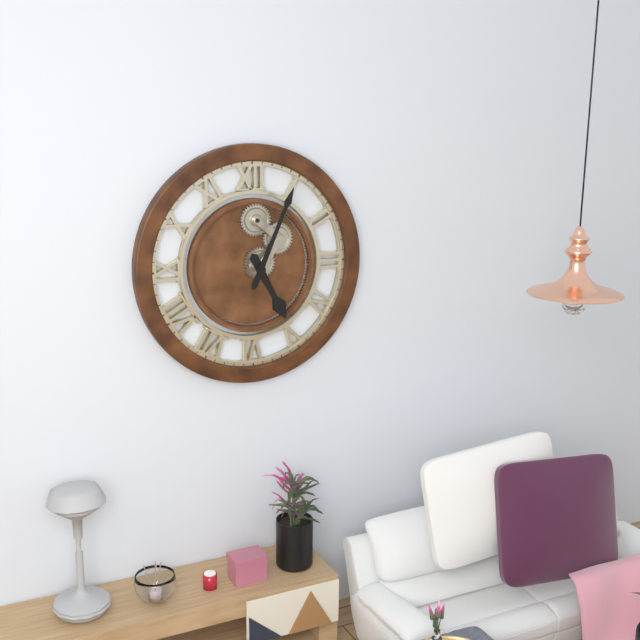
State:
5,04
